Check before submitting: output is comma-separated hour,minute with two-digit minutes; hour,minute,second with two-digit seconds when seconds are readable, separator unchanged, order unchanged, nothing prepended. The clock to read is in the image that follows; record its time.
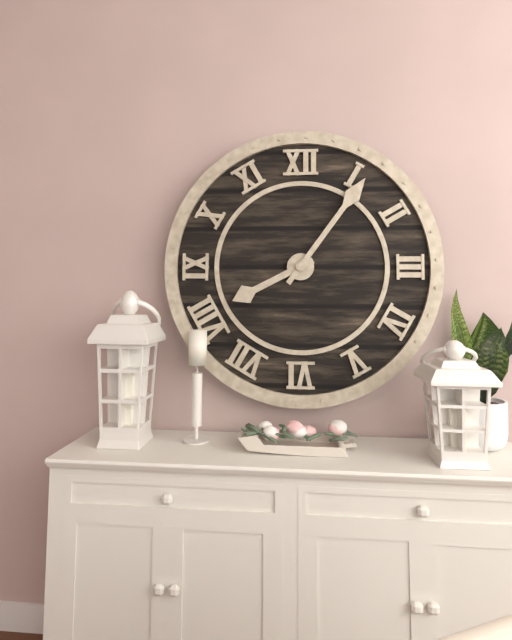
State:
8,06
